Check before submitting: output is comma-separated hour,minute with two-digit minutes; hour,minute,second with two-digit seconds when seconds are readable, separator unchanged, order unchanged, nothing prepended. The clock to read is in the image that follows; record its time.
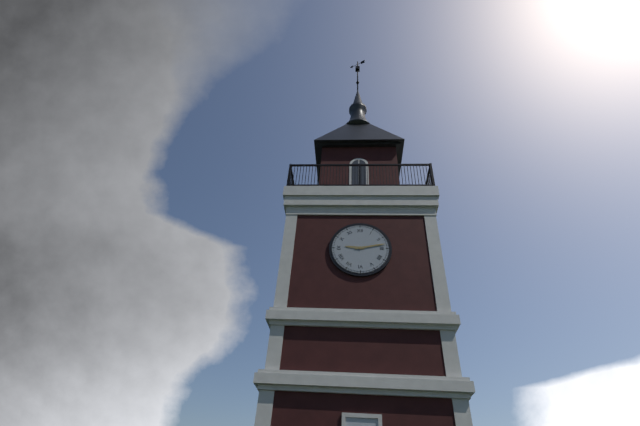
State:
9,13
